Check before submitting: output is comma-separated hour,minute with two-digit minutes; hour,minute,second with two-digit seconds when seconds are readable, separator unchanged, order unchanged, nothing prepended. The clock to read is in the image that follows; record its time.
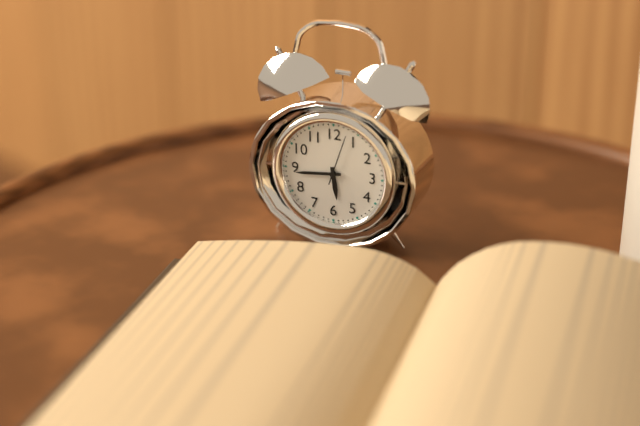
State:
5,44
